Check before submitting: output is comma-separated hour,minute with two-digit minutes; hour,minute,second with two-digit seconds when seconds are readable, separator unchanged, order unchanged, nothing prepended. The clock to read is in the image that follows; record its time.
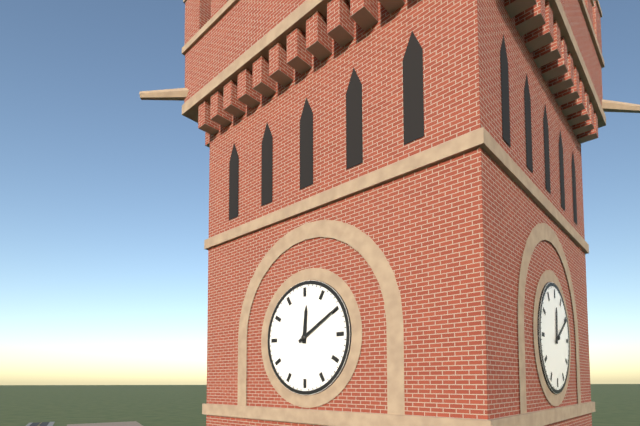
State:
12,10
